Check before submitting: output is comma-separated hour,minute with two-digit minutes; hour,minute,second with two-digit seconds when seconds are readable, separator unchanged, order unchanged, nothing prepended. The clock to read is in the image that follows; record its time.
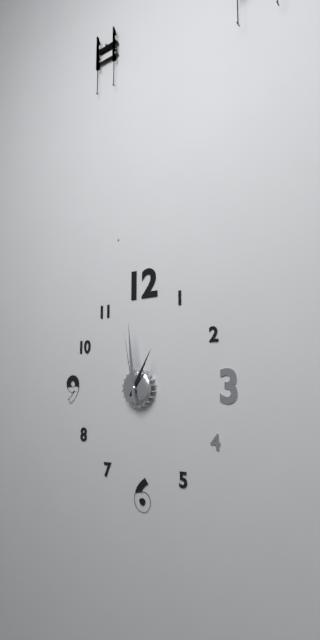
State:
12,59,58
